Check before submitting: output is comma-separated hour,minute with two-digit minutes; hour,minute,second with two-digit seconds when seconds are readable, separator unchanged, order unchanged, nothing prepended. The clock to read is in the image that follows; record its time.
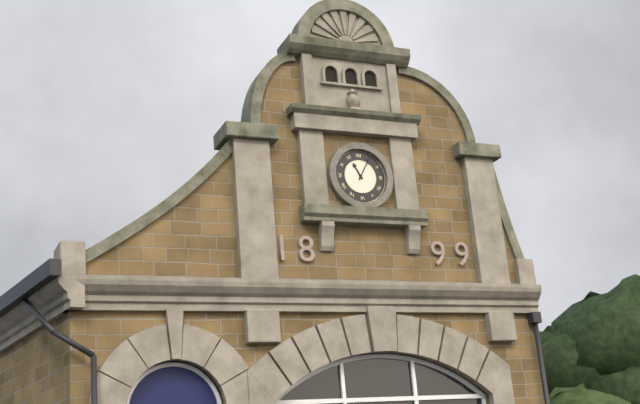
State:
11,05
